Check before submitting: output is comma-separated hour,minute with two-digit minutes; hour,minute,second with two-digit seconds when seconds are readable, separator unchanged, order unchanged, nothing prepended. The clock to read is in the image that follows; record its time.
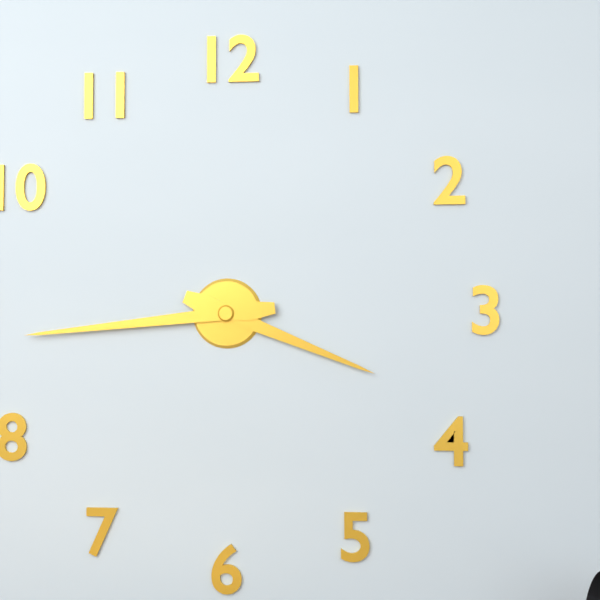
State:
3,44
